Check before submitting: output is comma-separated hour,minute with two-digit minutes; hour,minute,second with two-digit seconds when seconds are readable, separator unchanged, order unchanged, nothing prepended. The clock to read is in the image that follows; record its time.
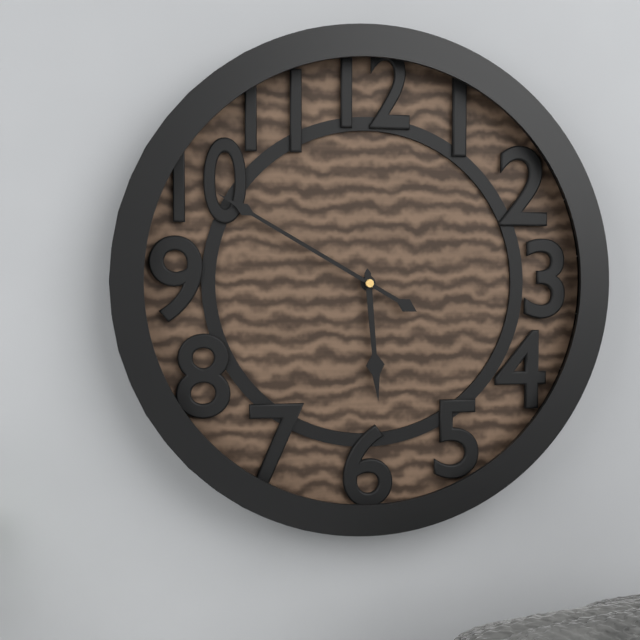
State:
5,50
